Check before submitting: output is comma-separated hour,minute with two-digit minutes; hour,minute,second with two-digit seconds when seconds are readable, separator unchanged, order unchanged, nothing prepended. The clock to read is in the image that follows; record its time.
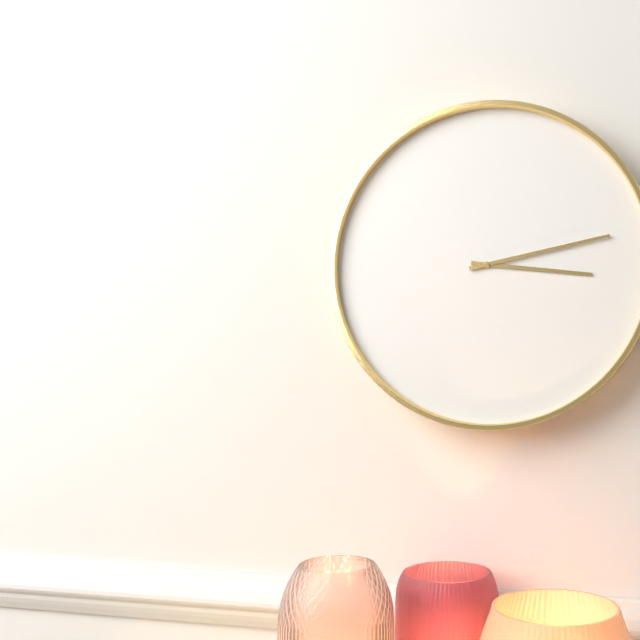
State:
3,13
